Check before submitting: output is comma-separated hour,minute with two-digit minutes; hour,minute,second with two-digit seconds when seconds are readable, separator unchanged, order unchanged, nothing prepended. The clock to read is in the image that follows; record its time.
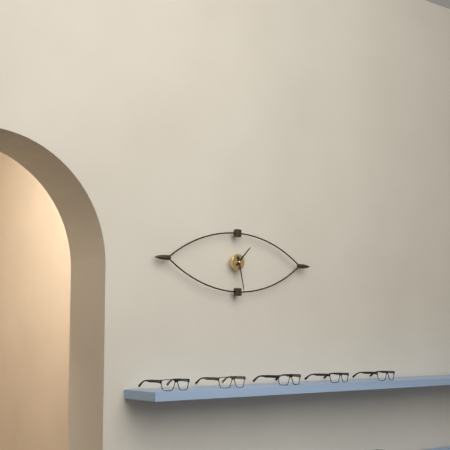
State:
1,28
